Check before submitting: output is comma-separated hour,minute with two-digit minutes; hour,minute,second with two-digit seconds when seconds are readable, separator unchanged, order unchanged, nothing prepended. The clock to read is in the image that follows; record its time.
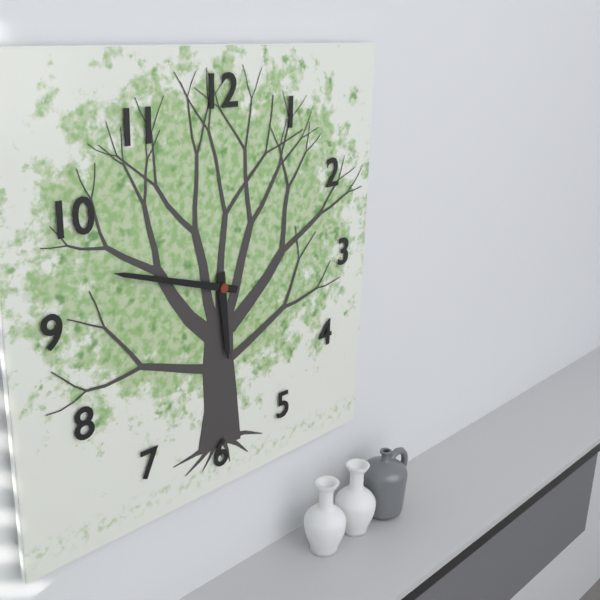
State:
5,48
